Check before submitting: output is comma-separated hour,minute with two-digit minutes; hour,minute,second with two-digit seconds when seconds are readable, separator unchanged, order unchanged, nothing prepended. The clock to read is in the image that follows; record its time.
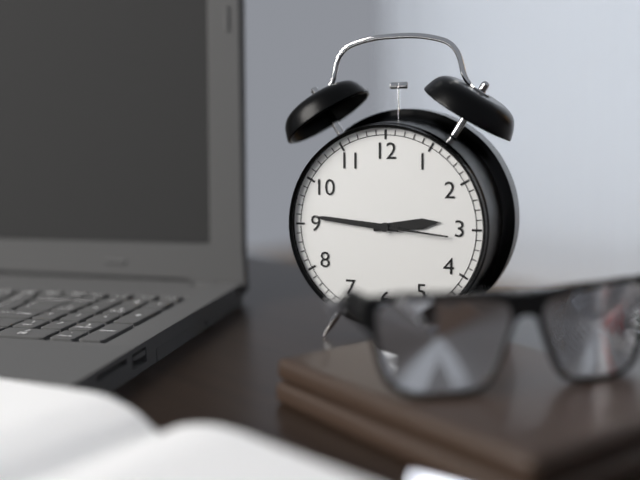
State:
2,46,16
